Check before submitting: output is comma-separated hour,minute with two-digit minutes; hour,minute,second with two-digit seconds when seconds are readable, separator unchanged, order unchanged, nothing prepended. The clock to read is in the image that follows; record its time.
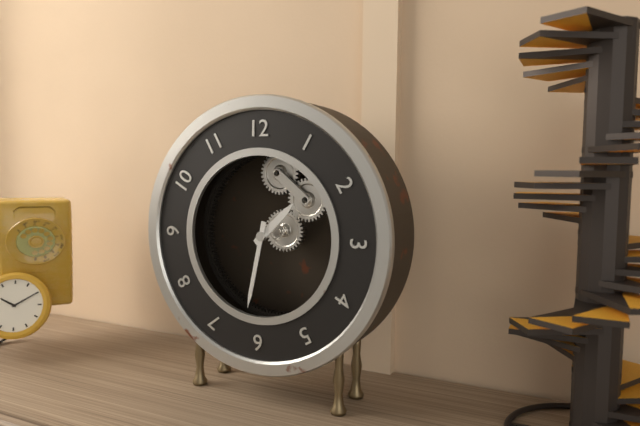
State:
1,32
